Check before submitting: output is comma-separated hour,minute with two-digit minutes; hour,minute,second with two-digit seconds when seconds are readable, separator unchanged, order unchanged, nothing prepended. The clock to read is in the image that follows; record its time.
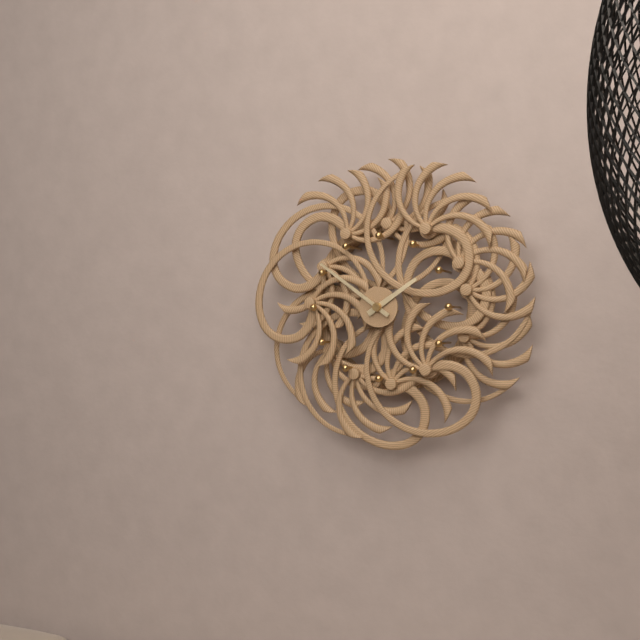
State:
1,51
